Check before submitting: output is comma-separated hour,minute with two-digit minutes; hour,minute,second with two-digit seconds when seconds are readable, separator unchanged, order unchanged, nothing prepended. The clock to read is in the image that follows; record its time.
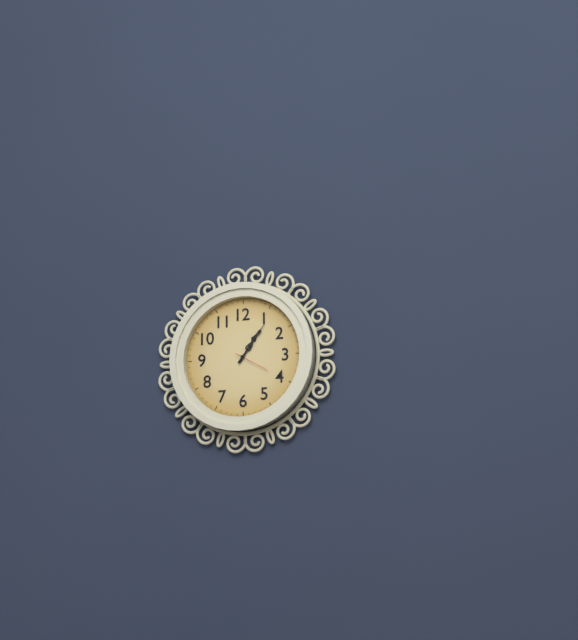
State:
1,06
